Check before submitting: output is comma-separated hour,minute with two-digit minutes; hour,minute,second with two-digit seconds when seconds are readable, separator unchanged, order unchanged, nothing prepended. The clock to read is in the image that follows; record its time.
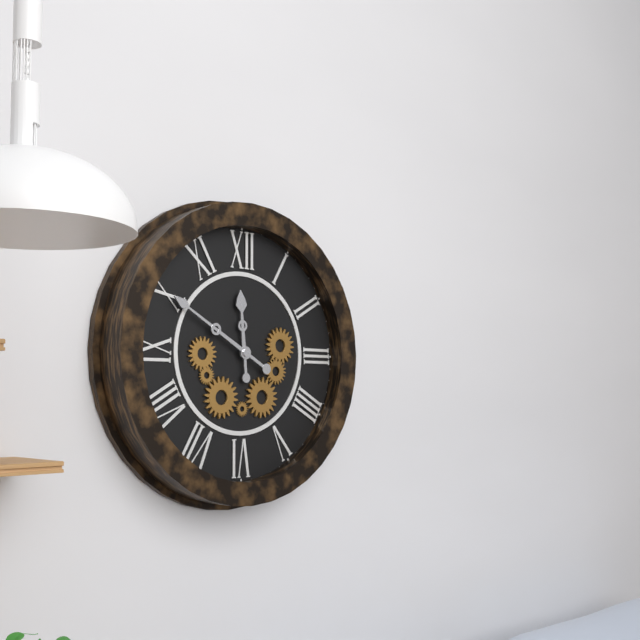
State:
11,50
